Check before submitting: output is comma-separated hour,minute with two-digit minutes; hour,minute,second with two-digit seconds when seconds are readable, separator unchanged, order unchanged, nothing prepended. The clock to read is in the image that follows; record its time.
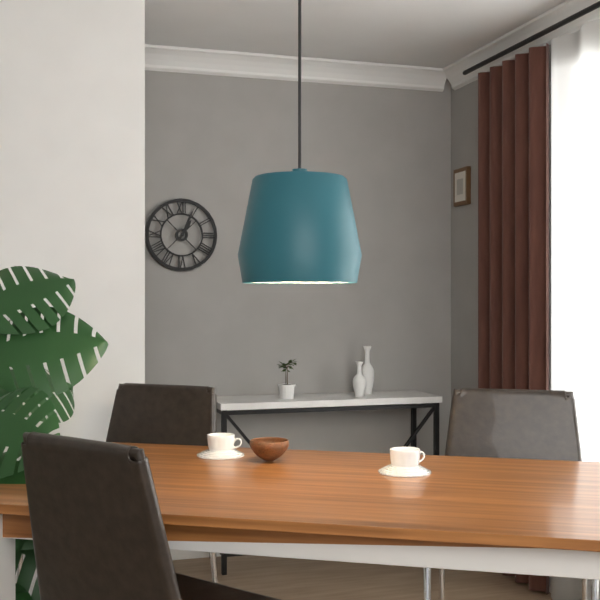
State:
1,04
